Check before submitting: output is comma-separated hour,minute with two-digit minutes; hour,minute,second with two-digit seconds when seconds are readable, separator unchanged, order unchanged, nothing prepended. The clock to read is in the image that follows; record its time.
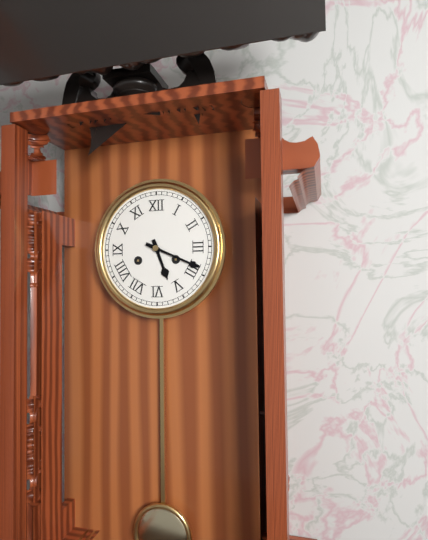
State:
5,19
